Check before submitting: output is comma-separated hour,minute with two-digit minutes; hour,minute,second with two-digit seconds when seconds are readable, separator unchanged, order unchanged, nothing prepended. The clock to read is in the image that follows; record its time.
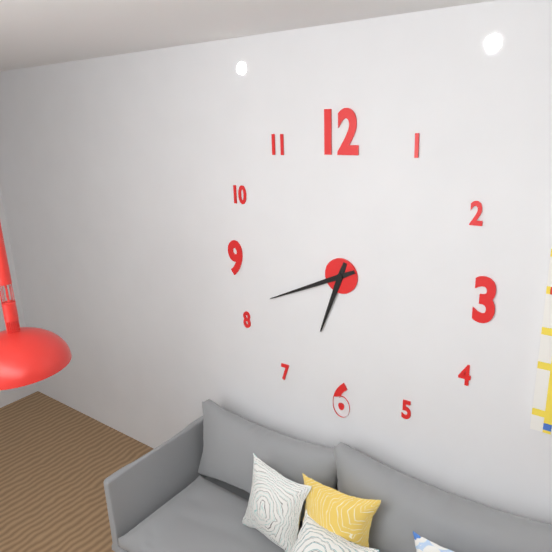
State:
6,41
